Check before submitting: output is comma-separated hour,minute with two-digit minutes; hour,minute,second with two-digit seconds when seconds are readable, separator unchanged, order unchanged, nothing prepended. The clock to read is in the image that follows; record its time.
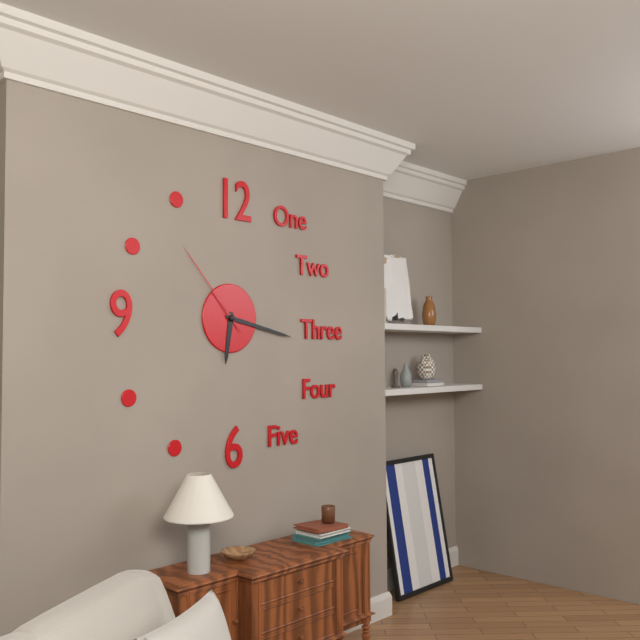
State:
6,17,53
